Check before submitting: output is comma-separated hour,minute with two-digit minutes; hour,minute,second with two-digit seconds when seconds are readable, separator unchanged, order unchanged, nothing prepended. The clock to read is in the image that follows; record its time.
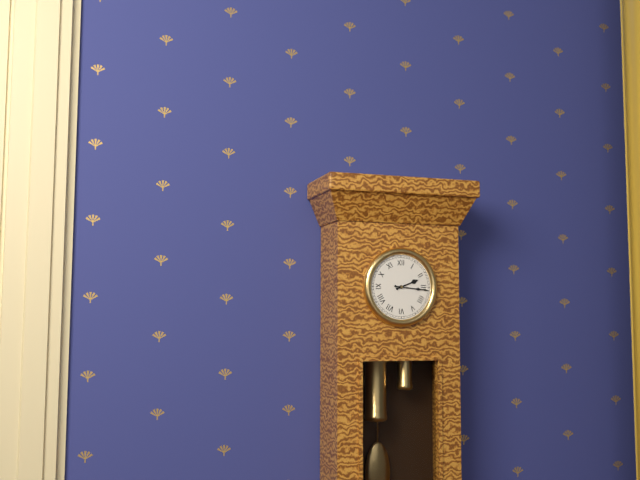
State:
2,16
